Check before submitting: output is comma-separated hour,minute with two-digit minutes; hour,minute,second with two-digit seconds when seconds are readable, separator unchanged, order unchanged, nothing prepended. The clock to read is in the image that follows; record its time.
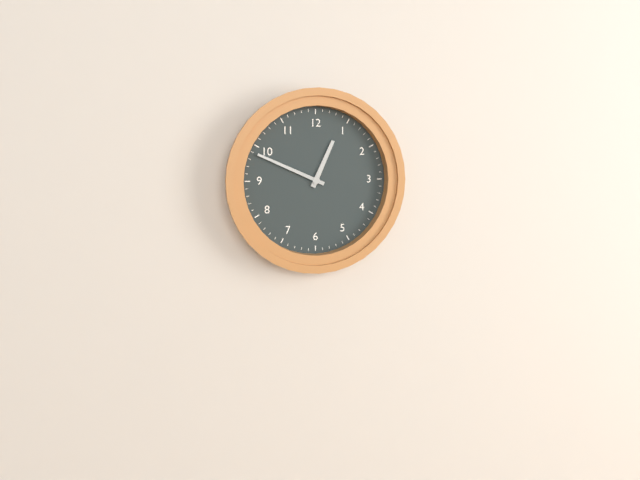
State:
12,49
